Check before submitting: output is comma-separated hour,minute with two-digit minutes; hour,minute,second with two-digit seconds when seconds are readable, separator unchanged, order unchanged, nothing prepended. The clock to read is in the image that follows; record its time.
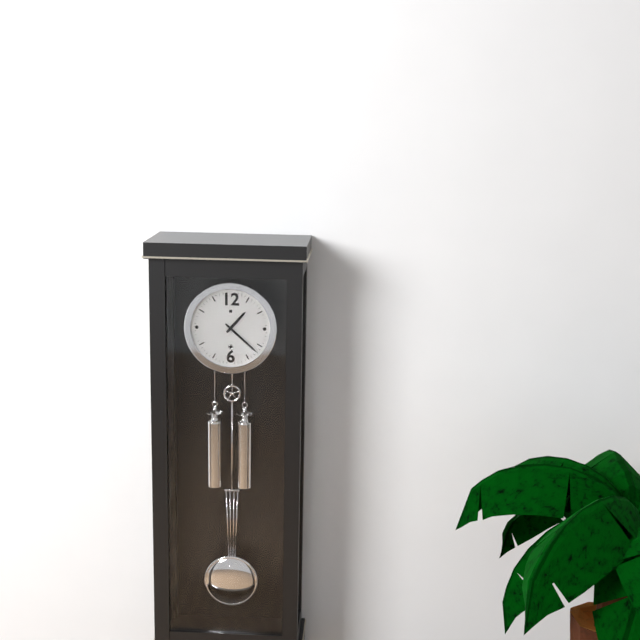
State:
1,22
